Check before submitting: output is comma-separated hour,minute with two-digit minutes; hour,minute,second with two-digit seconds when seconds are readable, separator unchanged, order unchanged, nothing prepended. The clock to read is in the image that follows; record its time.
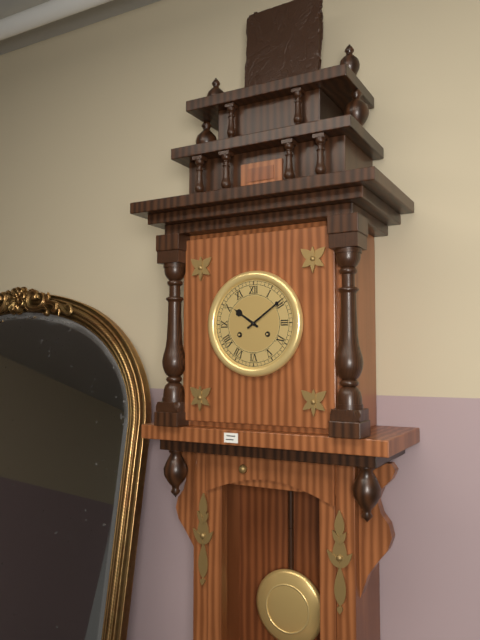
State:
10,09
